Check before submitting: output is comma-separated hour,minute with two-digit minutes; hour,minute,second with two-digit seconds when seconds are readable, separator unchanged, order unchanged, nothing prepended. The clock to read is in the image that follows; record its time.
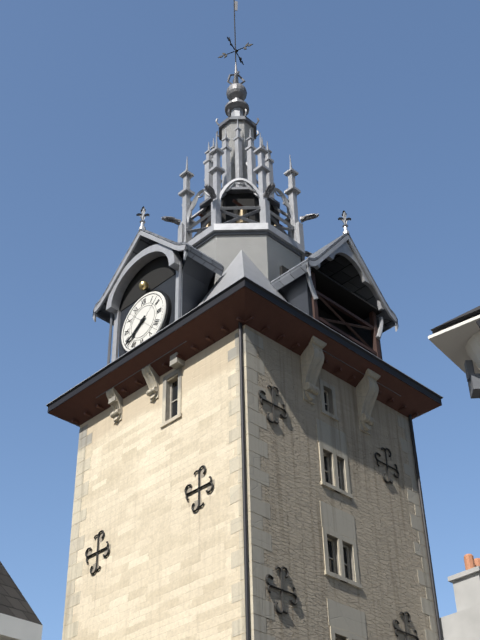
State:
7,39
